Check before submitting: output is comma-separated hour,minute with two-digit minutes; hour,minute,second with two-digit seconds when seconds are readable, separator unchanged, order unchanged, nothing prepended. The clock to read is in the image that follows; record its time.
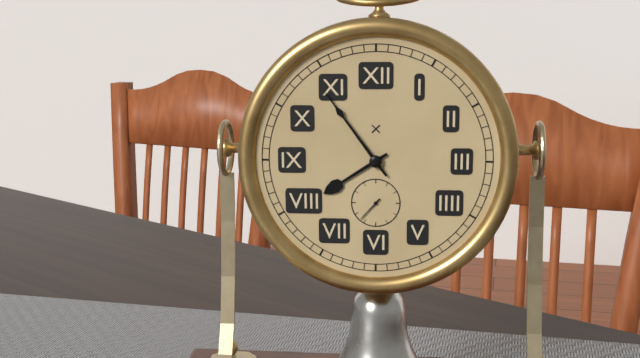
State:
7,54
